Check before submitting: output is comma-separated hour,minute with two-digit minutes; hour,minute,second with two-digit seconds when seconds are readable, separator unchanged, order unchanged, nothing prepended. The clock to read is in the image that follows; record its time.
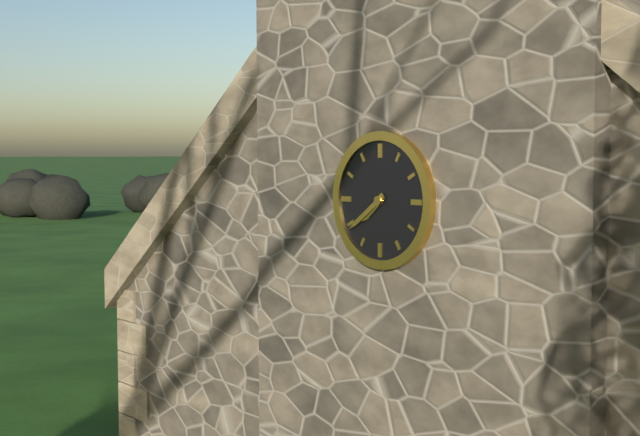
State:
7,39
